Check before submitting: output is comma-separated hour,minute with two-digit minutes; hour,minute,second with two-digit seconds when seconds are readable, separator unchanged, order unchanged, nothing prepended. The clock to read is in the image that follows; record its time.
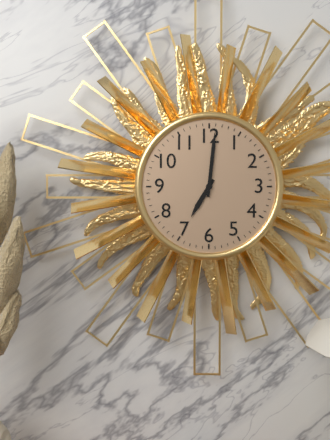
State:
7,01
